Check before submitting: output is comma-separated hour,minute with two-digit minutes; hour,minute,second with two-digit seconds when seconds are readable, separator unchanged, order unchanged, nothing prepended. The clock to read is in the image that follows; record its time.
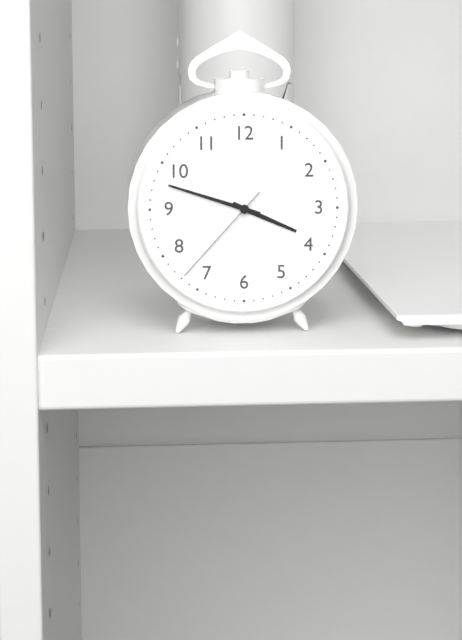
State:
3,48,37
